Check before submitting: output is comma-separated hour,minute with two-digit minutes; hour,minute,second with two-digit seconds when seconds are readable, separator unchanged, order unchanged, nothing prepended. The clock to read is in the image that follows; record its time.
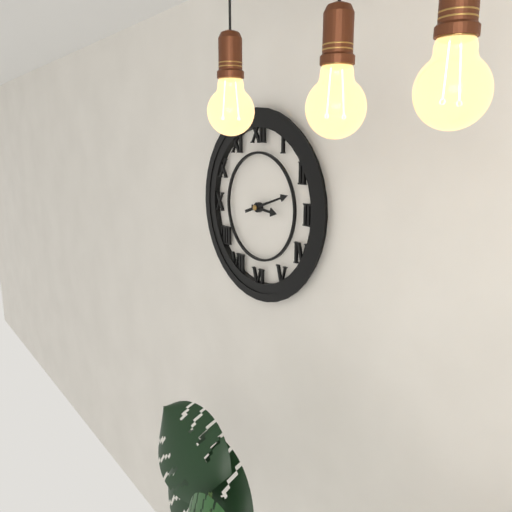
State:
3,12
